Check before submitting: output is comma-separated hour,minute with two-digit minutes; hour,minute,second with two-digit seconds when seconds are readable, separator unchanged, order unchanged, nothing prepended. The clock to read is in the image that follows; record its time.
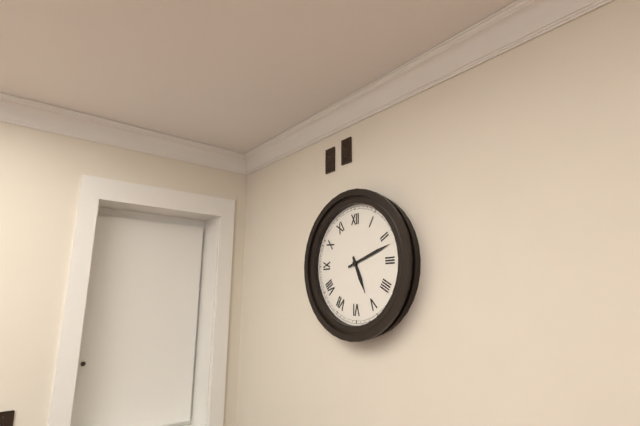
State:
5,12
